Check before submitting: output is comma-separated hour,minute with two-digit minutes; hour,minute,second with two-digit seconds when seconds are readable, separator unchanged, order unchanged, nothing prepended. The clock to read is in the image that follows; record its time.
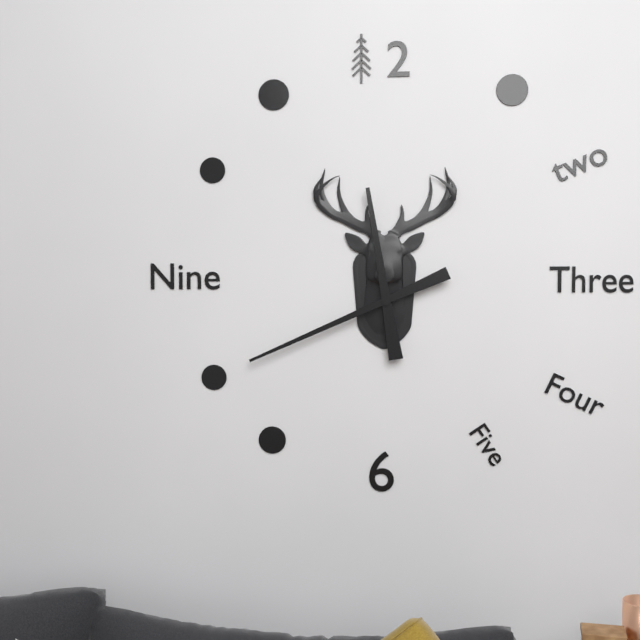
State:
11,41
